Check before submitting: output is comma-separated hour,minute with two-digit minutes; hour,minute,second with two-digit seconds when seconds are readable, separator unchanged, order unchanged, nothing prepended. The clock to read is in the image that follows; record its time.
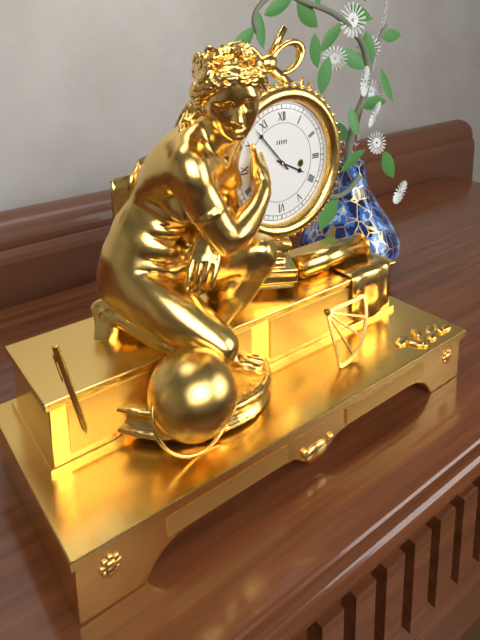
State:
3,53
